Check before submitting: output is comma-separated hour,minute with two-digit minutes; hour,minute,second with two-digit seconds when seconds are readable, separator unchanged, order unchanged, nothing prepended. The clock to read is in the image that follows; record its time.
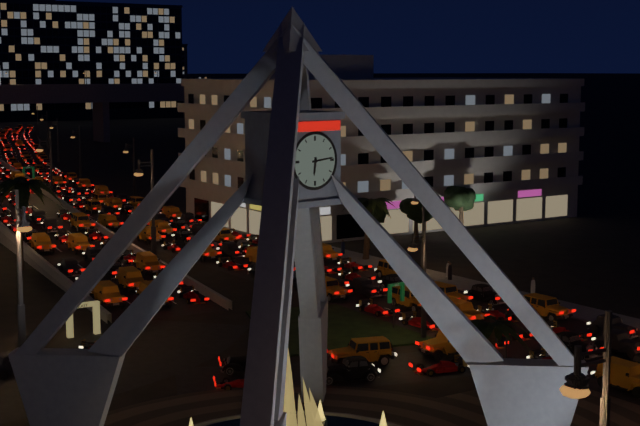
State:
6,14
